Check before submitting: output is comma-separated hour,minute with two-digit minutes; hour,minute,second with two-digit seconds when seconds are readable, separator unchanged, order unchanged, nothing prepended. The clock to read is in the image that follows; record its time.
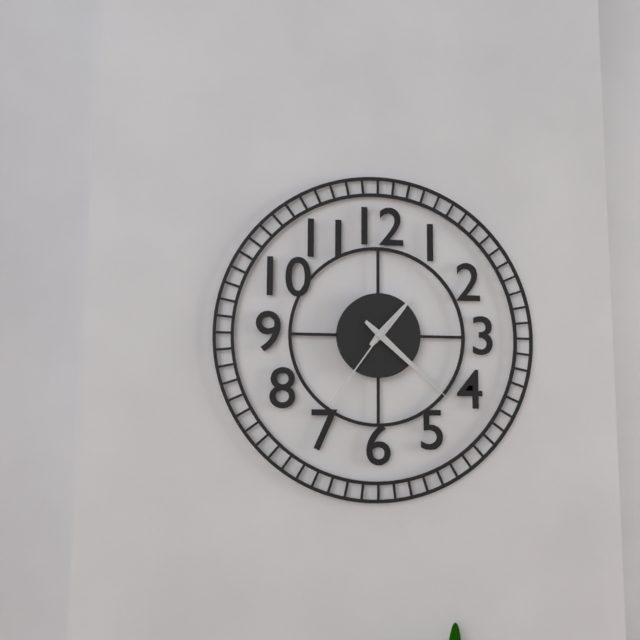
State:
1,22,36
